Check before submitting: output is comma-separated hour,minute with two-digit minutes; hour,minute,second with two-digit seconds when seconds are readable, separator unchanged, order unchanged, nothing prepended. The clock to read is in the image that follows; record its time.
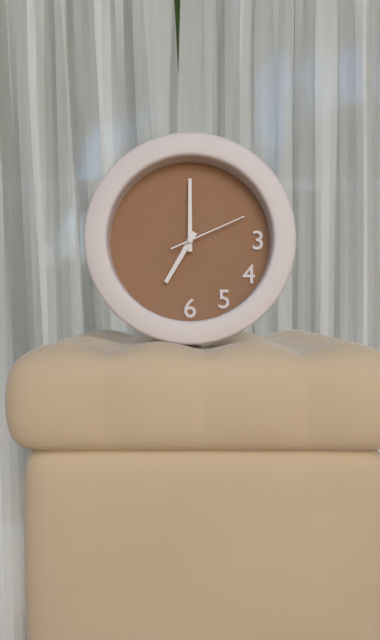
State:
7,00,11
